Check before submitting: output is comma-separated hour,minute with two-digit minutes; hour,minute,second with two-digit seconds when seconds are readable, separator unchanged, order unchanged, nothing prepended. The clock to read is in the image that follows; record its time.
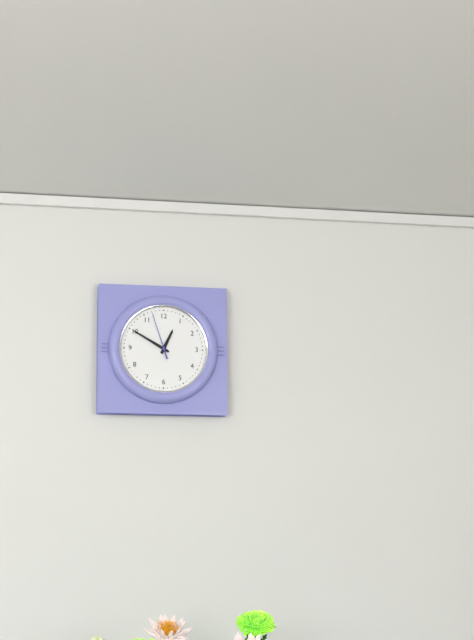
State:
12,50
